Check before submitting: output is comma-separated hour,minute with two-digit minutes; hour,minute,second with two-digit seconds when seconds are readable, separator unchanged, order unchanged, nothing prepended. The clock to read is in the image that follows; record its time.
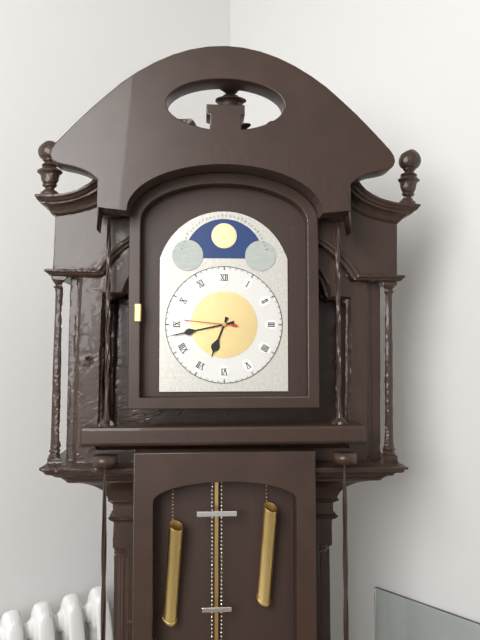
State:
6,43,46
